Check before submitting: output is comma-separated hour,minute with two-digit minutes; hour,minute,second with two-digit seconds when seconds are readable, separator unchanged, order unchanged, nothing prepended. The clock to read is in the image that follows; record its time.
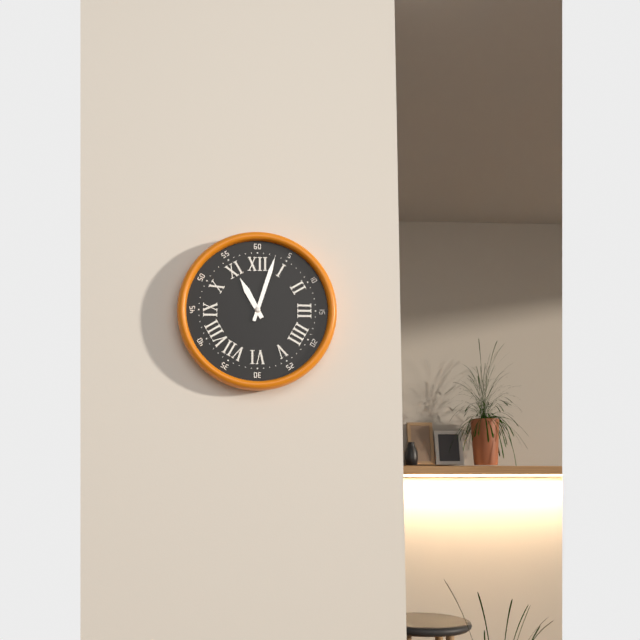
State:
11,03
